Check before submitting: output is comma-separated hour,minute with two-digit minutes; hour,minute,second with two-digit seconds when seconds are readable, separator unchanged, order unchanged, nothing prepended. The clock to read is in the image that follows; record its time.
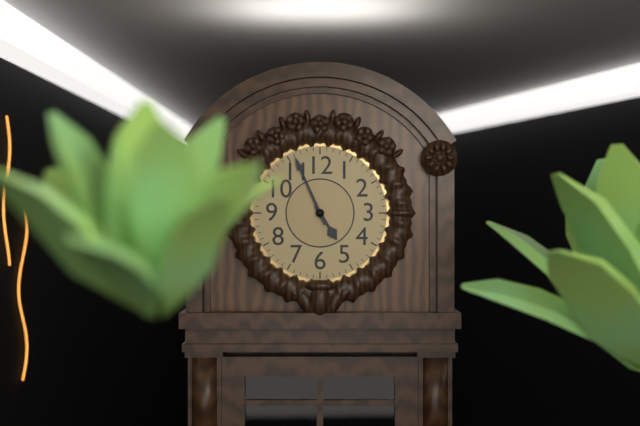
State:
4,56
